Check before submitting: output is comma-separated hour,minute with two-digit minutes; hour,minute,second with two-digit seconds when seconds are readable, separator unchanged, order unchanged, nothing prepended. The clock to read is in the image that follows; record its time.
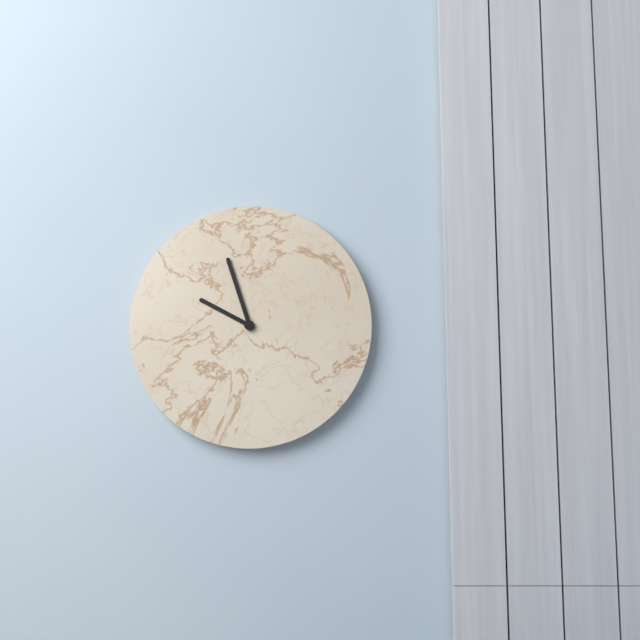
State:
9,57
